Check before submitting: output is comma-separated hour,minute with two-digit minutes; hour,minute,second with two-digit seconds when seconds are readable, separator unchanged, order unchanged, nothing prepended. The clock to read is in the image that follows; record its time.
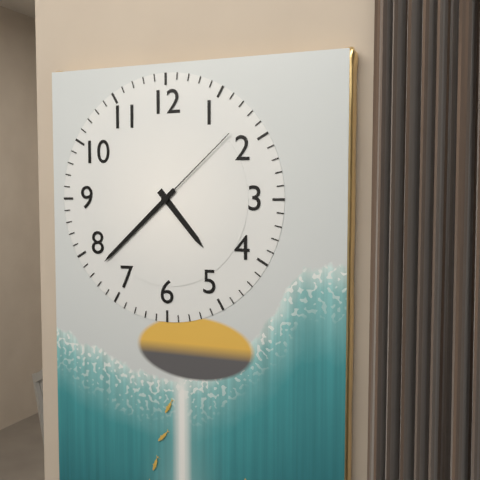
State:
4,38,08
